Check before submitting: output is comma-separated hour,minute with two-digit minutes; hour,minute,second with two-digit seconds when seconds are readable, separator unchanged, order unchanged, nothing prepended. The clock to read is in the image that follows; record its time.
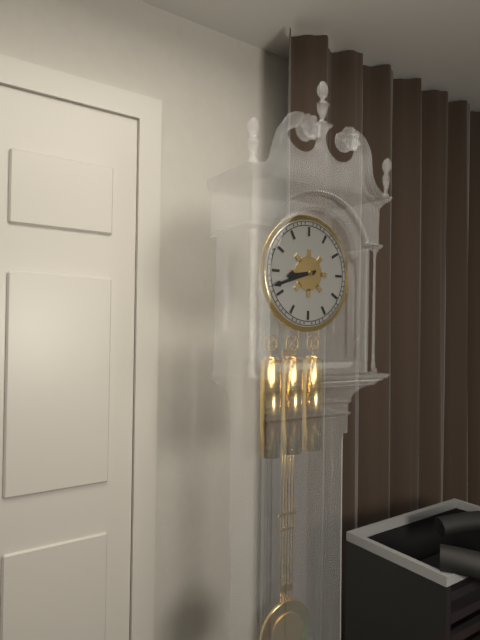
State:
8,42
